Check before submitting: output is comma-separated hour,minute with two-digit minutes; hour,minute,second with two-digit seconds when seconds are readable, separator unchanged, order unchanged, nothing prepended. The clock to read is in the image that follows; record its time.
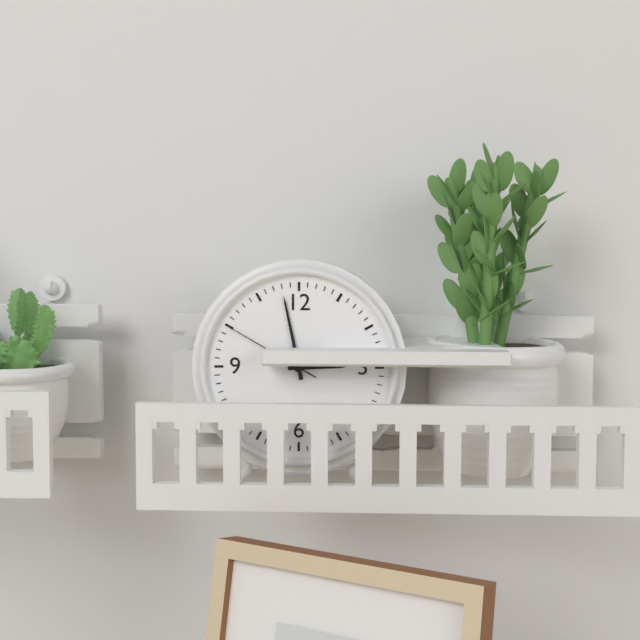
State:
2,58,50
